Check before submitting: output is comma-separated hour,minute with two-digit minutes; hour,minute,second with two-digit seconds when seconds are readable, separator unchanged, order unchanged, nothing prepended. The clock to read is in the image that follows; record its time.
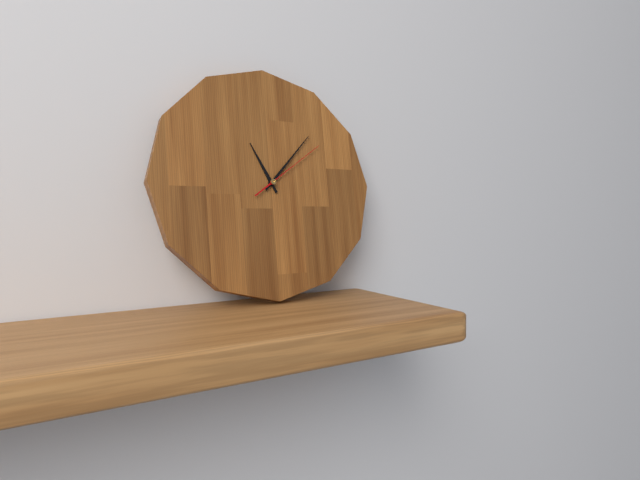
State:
11,07,09
